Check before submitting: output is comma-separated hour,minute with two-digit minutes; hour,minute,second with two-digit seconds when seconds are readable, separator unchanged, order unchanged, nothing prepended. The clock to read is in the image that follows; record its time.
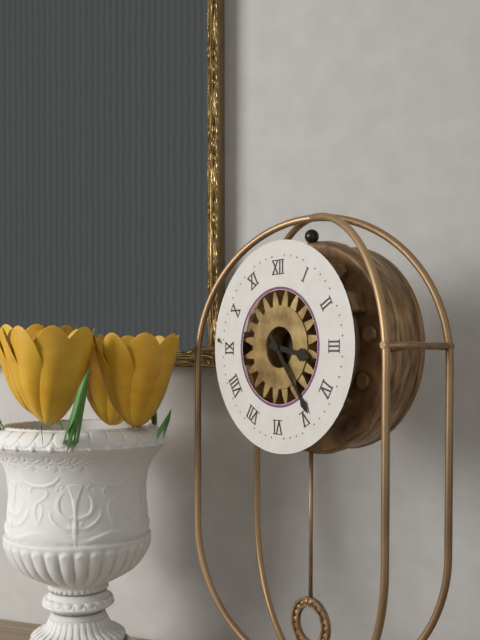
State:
3,24
